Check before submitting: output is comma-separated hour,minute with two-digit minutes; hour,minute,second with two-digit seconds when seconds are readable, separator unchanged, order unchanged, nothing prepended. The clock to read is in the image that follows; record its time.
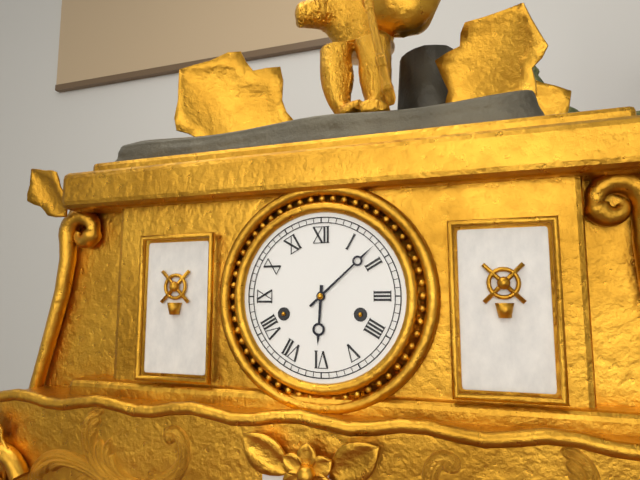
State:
6,08
